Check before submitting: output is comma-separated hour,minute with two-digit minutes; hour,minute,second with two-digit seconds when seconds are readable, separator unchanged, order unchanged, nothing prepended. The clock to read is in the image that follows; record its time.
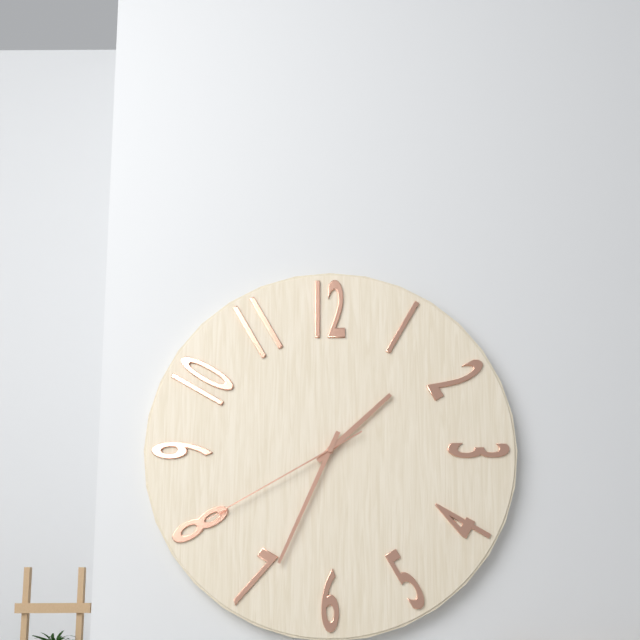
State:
1,34,40
